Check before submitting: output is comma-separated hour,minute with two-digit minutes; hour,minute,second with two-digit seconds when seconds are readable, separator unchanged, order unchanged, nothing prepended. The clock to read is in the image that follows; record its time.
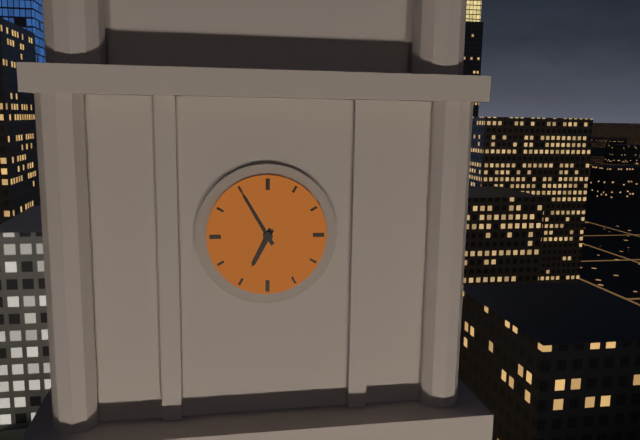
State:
6,55
